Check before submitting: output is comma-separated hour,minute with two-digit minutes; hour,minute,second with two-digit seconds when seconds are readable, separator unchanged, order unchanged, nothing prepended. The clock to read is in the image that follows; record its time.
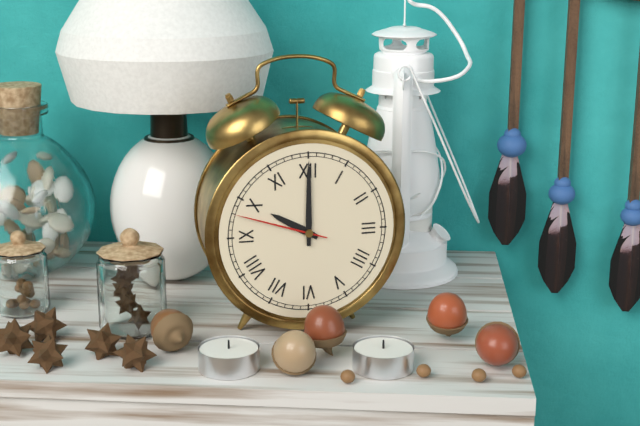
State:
10,00,48
